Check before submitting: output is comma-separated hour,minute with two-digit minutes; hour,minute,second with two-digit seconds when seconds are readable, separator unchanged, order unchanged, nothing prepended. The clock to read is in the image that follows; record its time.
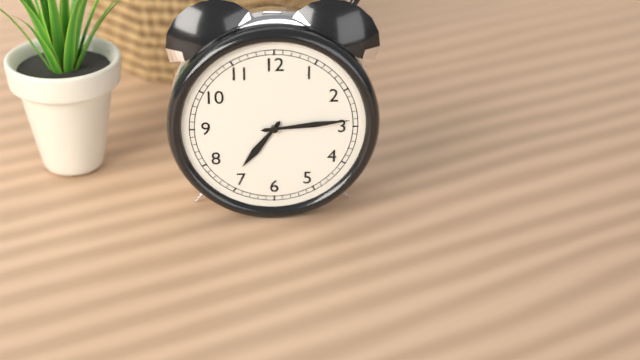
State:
7,14
